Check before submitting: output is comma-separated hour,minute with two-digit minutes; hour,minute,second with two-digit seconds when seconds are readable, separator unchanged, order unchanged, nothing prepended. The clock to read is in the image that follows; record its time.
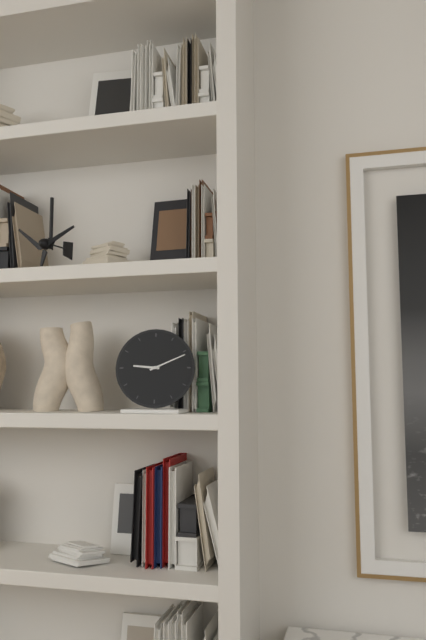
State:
9,11
